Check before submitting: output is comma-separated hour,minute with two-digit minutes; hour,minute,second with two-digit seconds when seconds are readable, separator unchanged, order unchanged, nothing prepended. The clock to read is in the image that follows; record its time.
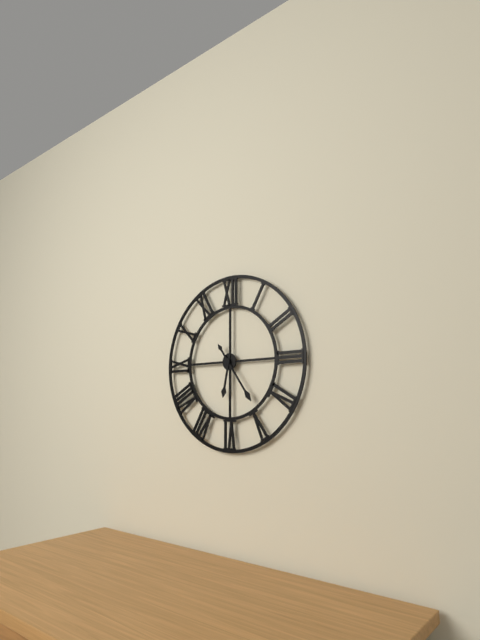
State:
6,24
